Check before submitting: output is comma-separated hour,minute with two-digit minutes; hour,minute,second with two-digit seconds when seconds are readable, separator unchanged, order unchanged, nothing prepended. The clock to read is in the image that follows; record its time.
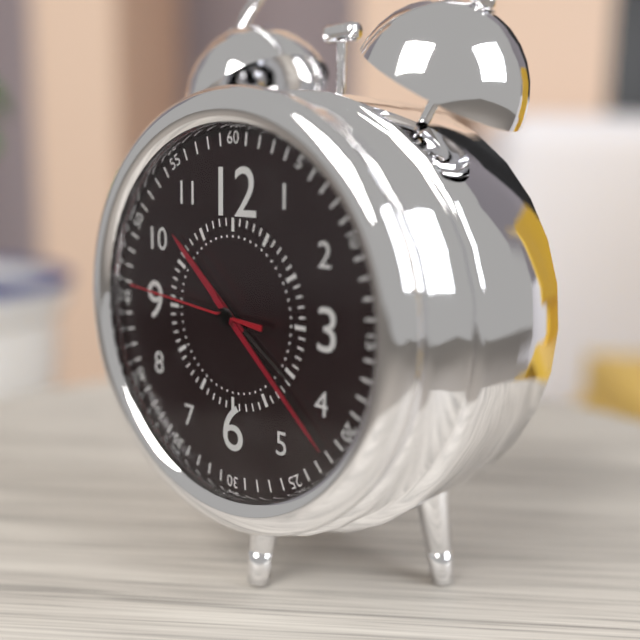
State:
10,22,46
